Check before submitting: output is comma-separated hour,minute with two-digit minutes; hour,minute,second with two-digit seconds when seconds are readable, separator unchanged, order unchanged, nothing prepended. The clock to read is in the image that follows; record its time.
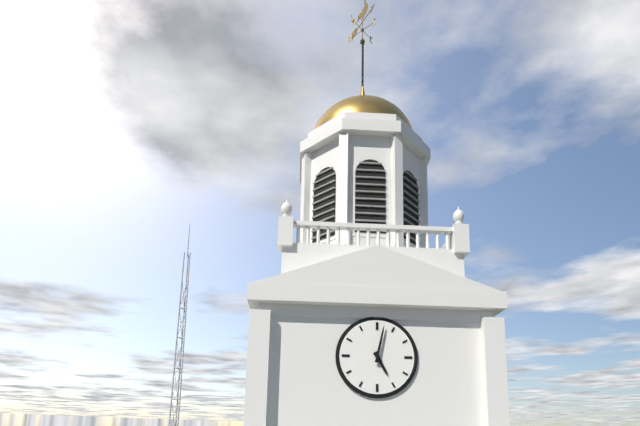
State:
5,02
